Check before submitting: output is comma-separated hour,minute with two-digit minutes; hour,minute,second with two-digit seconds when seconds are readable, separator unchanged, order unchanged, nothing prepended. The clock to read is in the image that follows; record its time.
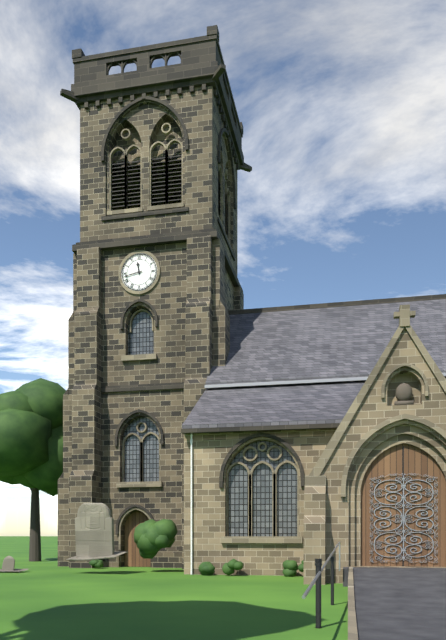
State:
11,43
